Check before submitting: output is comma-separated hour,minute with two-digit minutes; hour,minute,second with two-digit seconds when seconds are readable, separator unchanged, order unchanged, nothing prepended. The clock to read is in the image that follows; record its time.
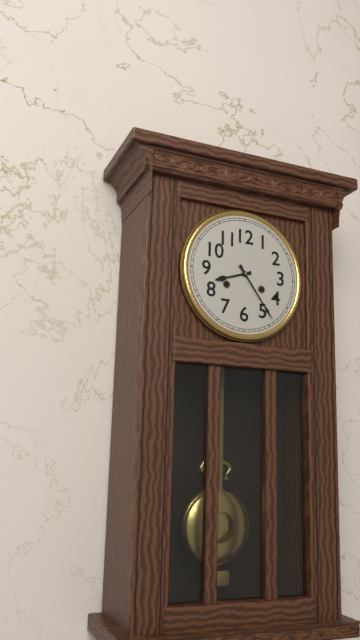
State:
8,24
